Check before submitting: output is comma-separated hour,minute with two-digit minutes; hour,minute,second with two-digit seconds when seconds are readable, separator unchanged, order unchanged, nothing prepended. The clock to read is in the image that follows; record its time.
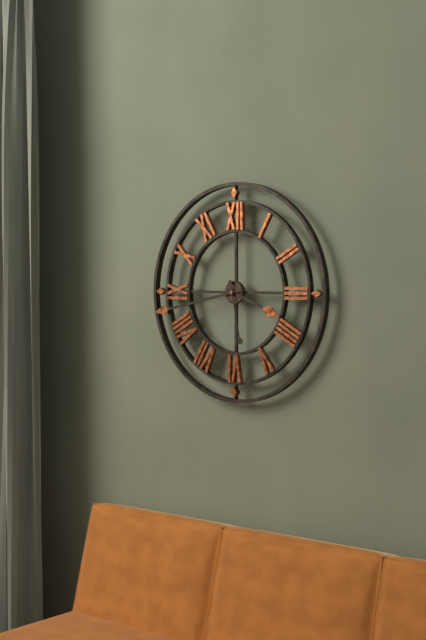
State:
3,43,28
